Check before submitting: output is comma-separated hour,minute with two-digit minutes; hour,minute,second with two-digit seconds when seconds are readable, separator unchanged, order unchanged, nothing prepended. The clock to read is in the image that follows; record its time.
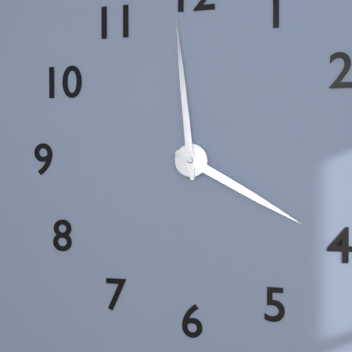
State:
3,59
